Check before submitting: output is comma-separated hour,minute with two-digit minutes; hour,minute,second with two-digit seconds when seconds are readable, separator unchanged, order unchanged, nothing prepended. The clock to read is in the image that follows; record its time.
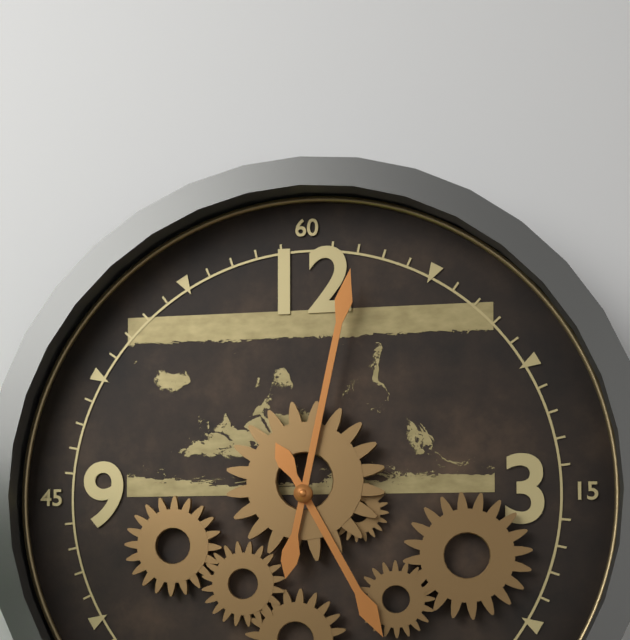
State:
5,02
